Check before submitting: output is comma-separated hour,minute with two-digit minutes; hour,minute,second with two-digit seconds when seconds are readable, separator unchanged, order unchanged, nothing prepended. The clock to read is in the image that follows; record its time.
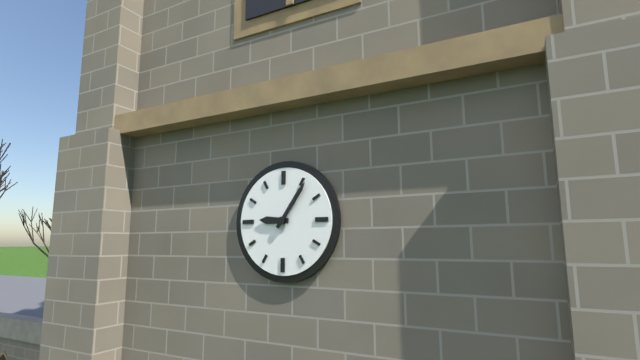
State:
9,06
